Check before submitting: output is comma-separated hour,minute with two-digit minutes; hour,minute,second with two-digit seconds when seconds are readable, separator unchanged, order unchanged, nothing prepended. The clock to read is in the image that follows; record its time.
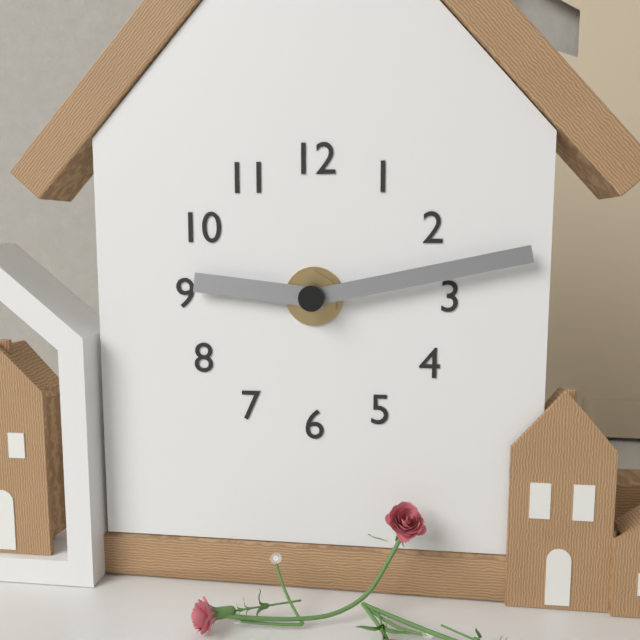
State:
9,13
